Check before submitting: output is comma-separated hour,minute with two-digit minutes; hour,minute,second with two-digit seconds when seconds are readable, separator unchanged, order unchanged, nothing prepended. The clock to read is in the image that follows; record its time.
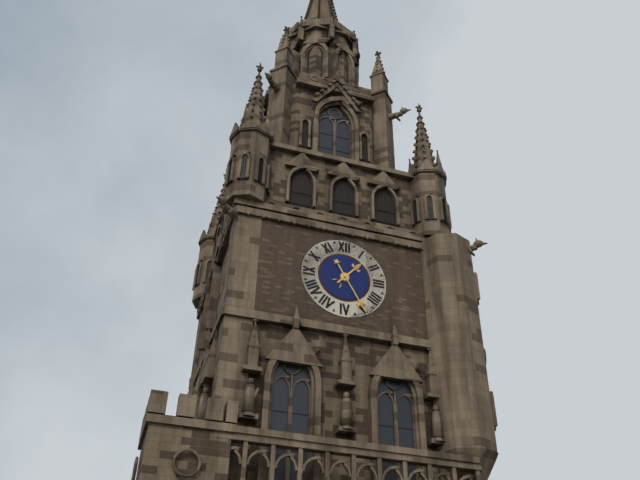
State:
1,25
